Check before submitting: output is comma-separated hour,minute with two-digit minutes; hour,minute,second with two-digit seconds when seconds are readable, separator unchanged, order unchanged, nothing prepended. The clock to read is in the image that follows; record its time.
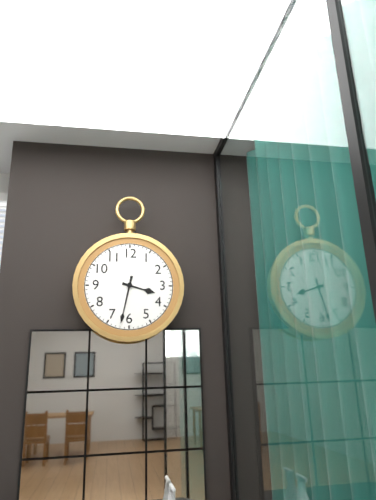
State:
3,32
